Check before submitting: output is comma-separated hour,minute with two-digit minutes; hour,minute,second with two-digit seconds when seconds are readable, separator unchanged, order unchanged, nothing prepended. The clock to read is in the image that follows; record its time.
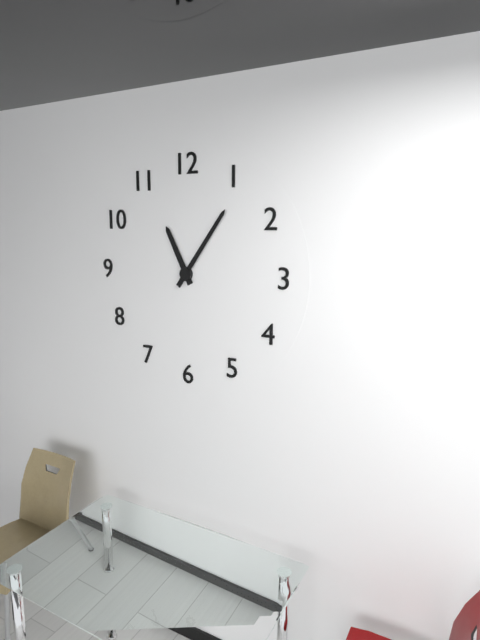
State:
11,06
